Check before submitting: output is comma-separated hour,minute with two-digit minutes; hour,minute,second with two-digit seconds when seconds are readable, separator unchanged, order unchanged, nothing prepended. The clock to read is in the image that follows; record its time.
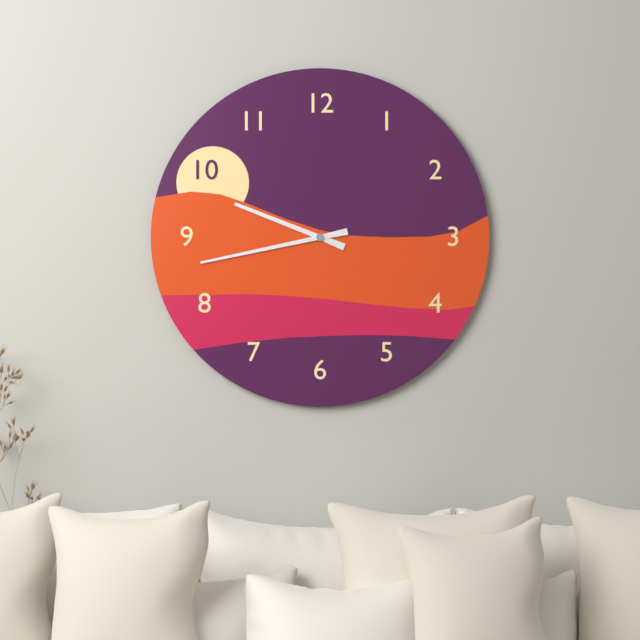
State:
9,43
